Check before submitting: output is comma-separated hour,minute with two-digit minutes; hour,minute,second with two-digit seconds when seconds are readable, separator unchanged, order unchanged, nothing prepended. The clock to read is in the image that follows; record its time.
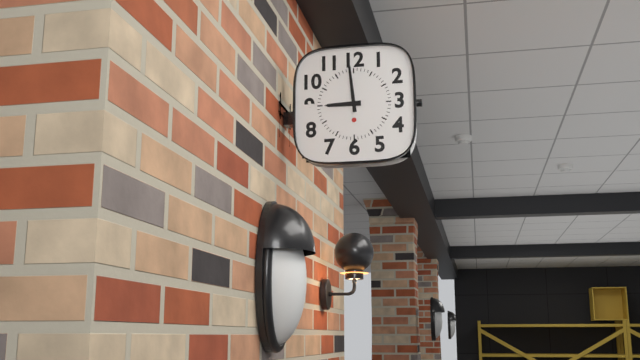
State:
8,59
